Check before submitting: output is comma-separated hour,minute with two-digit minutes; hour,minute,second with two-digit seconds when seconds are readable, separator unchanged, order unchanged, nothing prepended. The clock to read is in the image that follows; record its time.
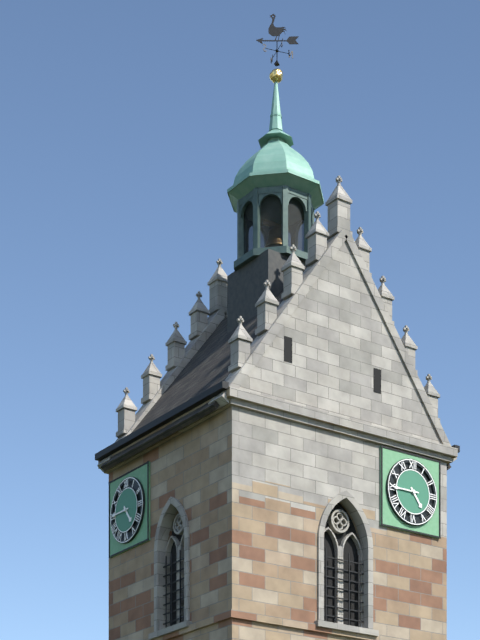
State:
4,45
